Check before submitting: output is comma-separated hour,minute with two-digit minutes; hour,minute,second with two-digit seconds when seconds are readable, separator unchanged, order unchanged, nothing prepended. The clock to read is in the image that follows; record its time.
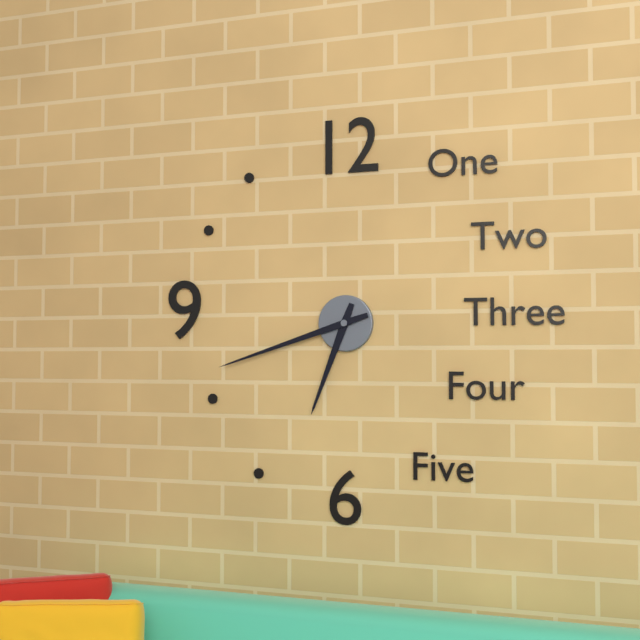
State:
6,42
